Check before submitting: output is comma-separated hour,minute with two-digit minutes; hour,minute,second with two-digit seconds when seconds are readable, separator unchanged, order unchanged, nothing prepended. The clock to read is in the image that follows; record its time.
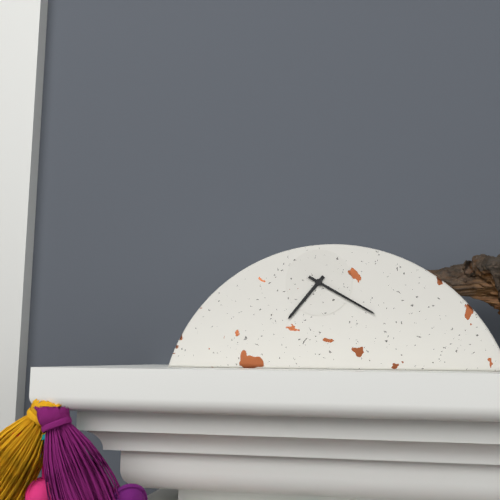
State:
7,20
